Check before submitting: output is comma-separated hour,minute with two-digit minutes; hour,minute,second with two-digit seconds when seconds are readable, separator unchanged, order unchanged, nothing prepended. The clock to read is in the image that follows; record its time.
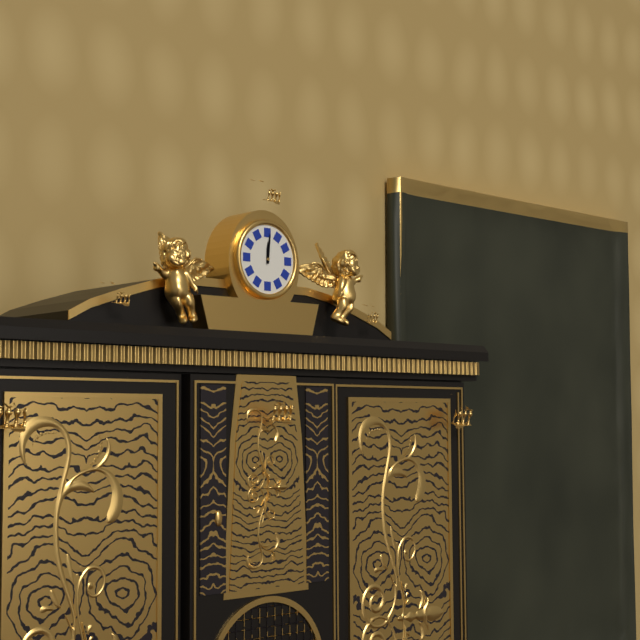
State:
12,01
